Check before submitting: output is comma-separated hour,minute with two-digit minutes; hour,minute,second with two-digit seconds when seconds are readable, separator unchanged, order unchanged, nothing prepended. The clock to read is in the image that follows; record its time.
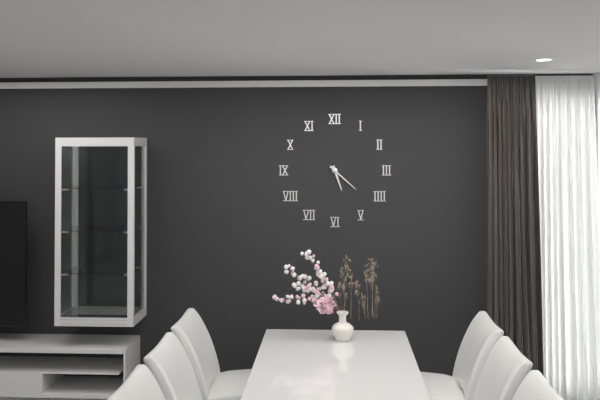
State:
5,22
